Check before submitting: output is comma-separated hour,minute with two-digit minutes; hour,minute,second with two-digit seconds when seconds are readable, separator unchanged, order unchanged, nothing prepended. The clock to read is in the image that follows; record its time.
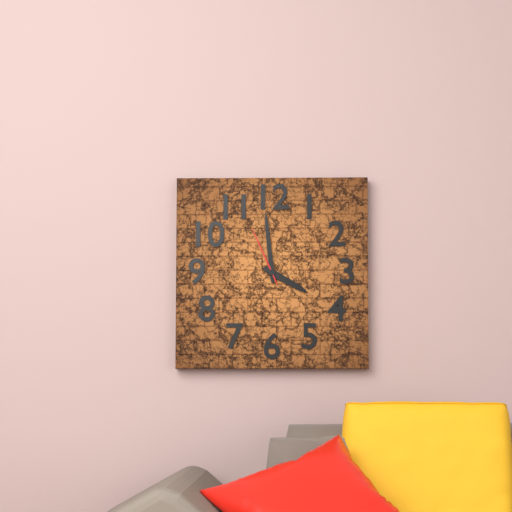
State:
3,59,56
